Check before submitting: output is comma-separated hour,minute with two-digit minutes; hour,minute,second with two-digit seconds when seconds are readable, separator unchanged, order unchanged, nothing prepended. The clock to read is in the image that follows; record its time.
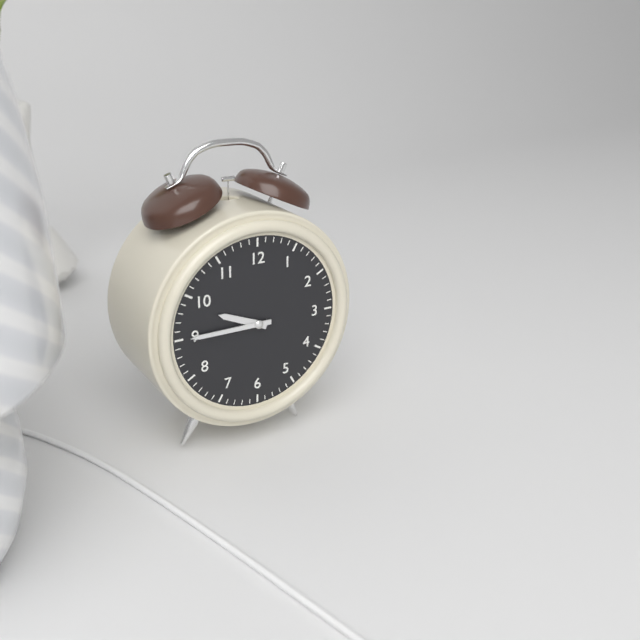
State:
9,45
